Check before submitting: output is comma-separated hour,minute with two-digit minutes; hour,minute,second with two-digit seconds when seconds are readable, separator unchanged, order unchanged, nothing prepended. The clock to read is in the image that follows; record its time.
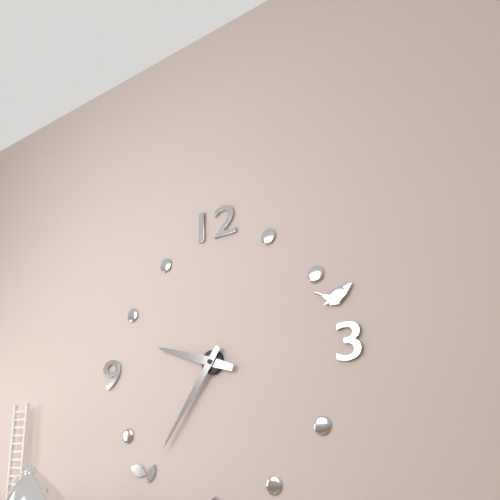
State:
9,36
